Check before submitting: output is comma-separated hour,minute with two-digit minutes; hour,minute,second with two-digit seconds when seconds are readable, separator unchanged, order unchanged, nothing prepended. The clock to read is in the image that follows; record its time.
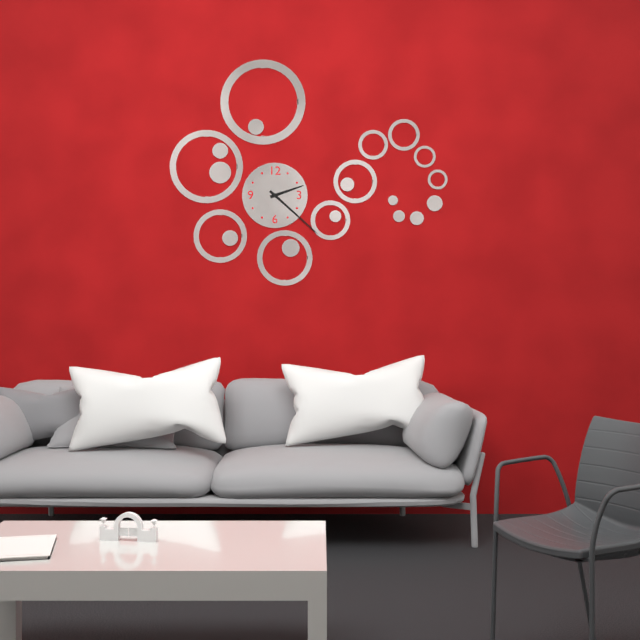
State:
2,22
